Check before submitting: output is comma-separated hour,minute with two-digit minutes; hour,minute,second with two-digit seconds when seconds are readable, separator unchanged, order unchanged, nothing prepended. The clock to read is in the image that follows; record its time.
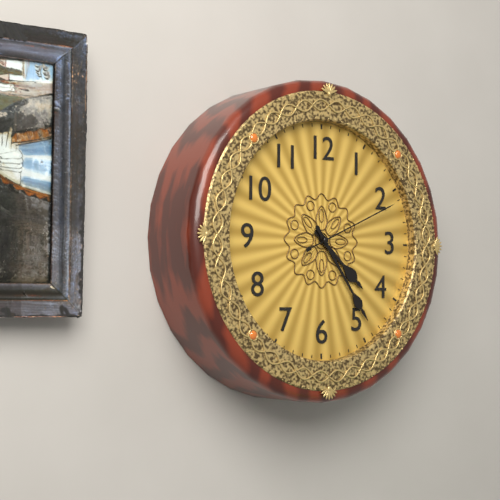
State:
4,24,11
